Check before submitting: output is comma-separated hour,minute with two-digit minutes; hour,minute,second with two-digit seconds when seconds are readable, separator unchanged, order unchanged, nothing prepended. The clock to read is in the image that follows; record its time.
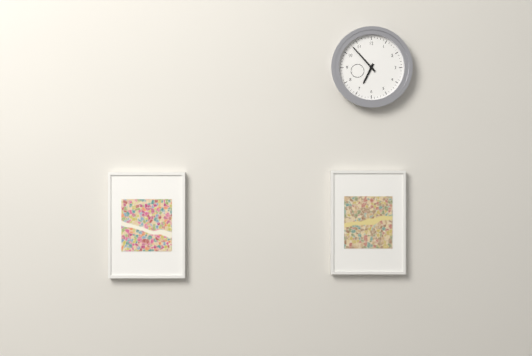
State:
6,53
